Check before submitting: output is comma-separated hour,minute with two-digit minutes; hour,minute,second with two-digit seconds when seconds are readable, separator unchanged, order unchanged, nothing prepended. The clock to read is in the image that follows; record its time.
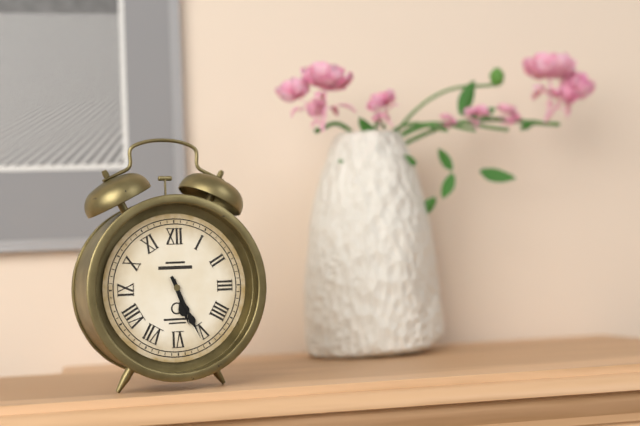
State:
5,26
